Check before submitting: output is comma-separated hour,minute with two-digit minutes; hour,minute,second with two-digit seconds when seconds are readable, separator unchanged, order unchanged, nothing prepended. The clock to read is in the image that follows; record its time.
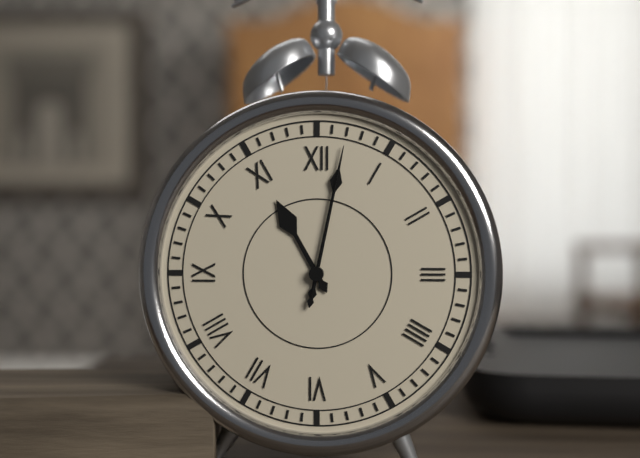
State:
11,02,02
